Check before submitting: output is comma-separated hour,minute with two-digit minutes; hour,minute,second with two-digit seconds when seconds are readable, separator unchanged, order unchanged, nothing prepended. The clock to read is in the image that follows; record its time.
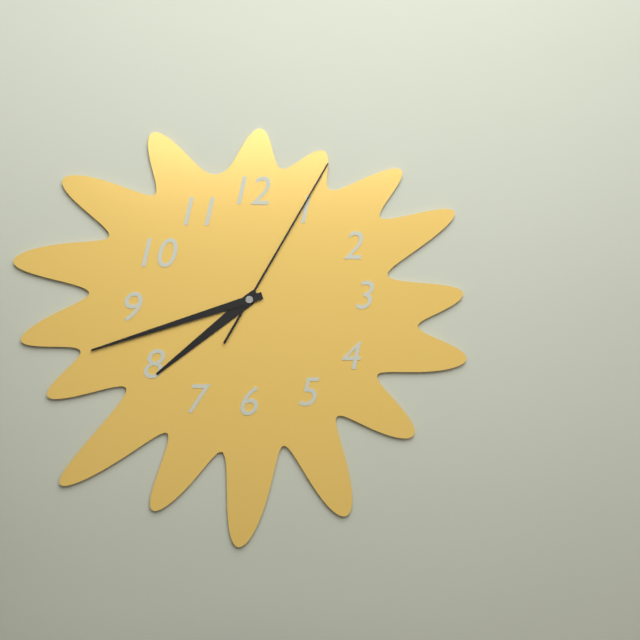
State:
7,42,05
